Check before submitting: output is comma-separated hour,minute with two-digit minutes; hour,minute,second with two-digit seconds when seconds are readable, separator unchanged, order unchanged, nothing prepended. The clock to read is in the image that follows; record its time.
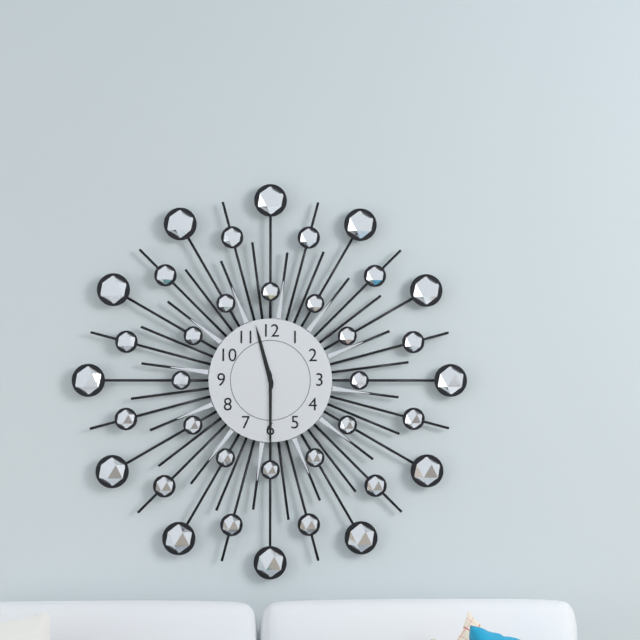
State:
11,30
